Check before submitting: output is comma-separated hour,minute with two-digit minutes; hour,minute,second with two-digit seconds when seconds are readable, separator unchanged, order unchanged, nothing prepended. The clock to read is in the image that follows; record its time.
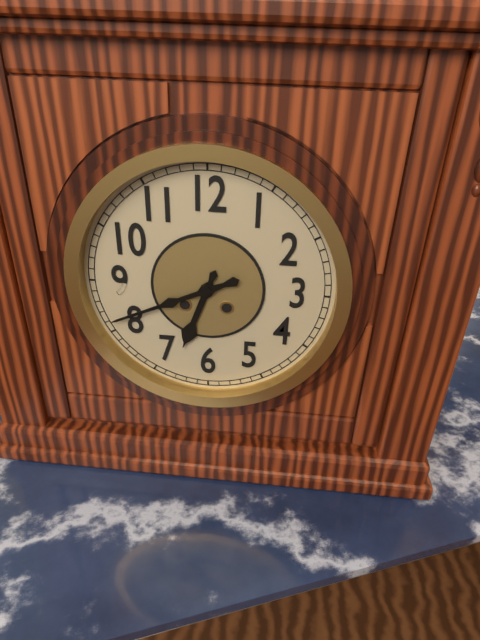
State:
6,41
